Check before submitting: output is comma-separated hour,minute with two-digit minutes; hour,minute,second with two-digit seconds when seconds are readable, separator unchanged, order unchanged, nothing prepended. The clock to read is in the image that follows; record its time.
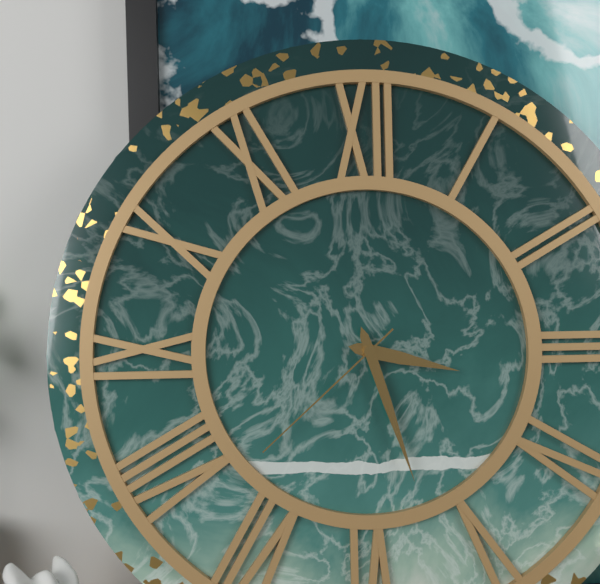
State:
3,27,38
